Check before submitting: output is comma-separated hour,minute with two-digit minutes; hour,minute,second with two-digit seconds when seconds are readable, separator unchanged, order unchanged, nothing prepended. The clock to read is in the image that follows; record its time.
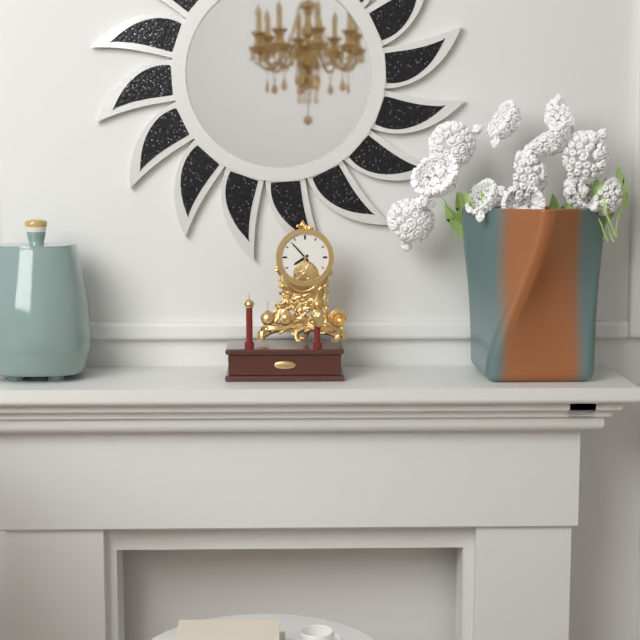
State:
7,53
